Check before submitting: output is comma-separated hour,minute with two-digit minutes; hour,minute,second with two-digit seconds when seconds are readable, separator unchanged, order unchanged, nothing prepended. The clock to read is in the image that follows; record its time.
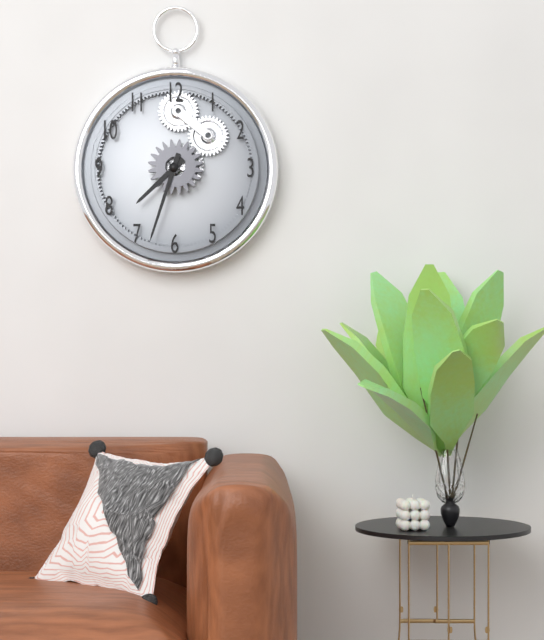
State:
7,33
